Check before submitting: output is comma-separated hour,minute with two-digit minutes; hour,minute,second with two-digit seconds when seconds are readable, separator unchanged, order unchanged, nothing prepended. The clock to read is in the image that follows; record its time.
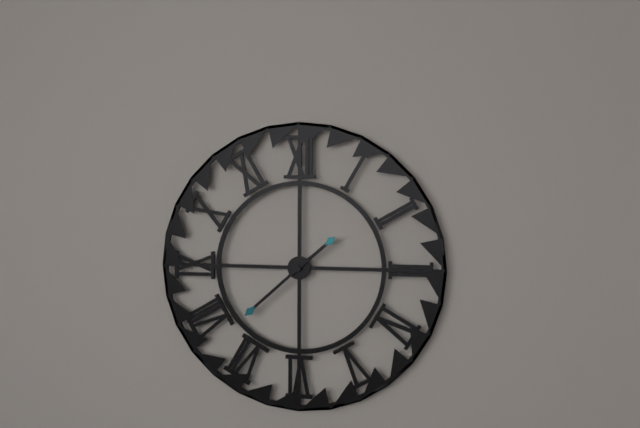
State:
1,38
